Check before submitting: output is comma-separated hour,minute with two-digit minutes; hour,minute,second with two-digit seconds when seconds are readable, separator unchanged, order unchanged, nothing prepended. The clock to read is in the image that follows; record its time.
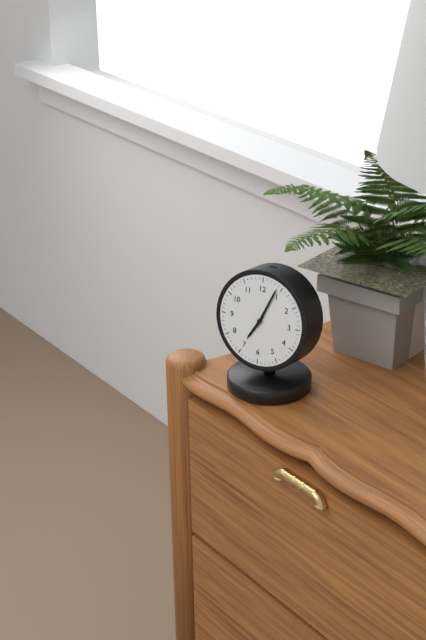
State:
7,04
